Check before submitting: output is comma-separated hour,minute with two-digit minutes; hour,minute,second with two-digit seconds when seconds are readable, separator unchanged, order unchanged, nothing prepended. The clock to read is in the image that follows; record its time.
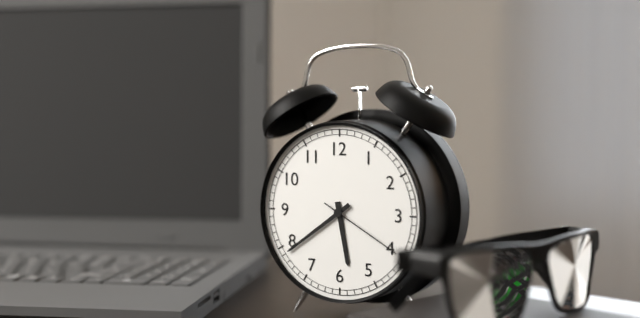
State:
5,39,20
